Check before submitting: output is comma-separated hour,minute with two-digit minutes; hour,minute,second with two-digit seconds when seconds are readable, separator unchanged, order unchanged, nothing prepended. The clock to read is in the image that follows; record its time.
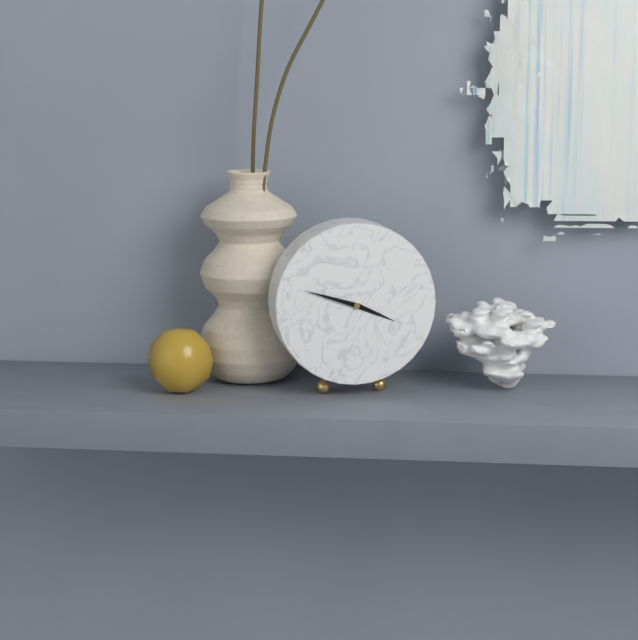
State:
3,48
